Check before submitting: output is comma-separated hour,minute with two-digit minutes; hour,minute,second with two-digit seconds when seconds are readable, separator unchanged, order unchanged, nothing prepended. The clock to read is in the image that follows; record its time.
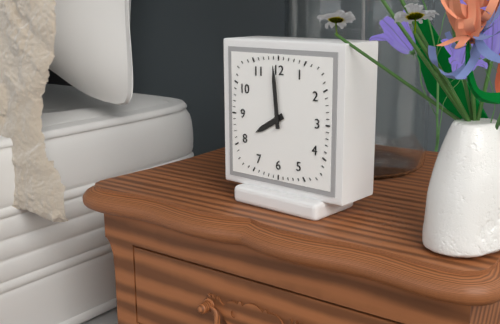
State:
7,59
